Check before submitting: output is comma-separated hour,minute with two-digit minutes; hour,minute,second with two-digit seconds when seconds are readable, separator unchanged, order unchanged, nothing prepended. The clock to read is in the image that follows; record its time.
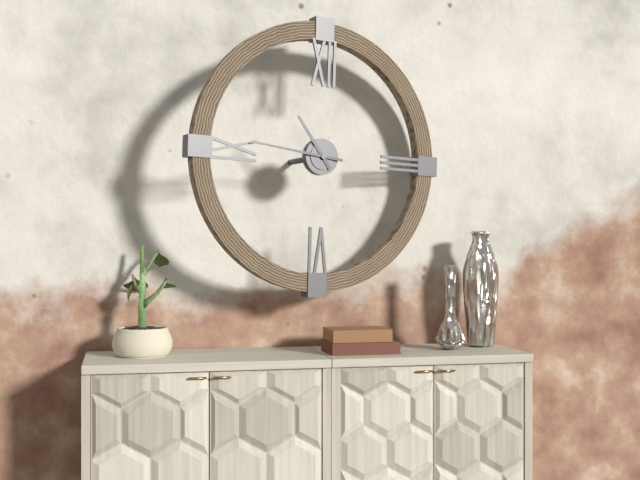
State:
10,46
